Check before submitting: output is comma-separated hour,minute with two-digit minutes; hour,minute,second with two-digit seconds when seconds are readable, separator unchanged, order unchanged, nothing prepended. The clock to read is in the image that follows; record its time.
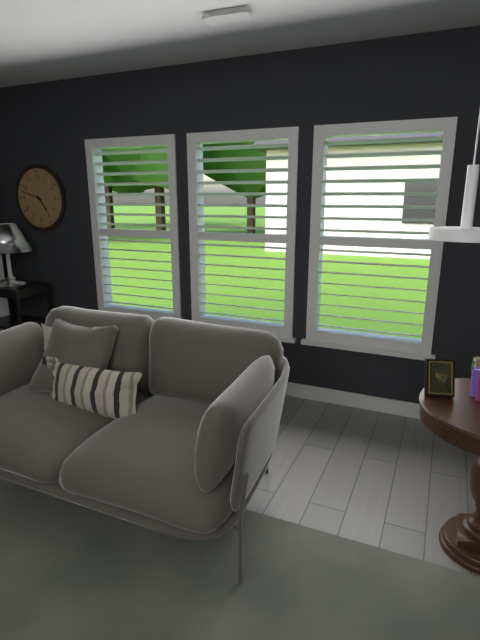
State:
4,48
